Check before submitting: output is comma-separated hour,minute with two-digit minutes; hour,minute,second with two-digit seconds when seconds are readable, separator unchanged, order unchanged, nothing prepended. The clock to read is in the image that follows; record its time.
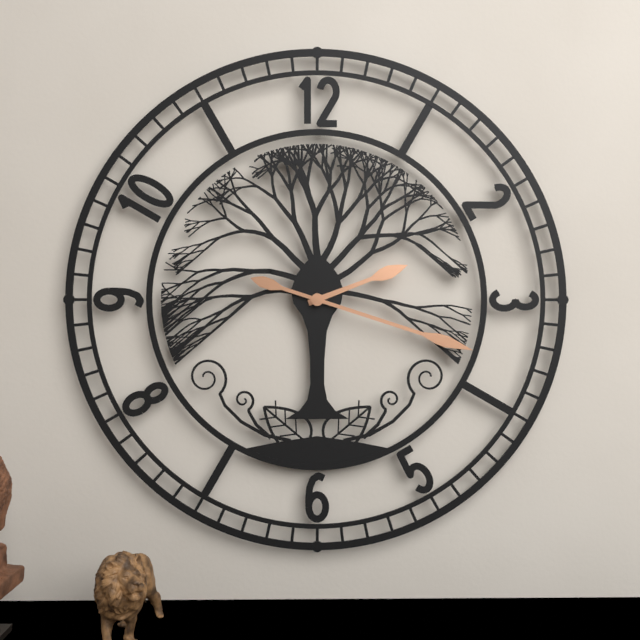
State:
2,18
